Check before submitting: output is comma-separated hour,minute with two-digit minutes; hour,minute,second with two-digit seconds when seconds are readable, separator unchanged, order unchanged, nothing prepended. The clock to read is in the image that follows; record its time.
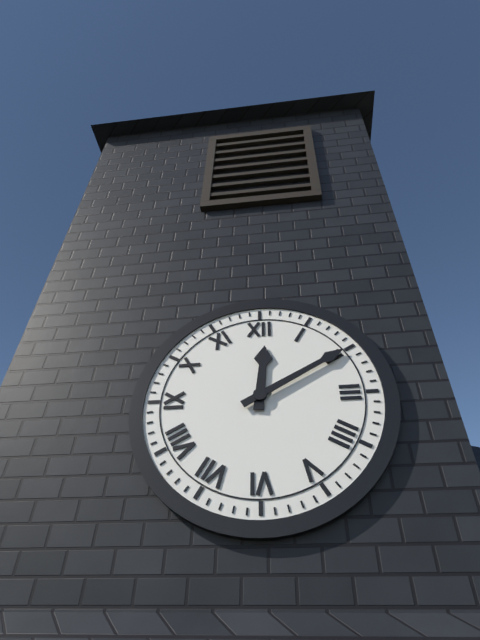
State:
12,10
